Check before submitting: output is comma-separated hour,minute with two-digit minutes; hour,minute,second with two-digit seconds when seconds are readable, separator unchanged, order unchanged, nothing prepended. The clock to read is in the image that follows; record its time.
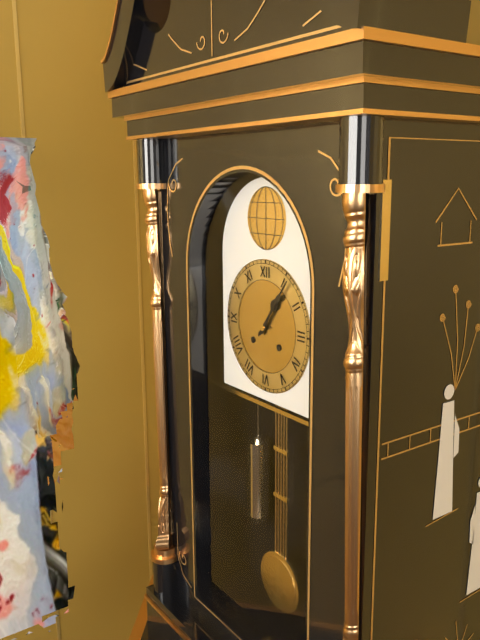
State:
1,06
